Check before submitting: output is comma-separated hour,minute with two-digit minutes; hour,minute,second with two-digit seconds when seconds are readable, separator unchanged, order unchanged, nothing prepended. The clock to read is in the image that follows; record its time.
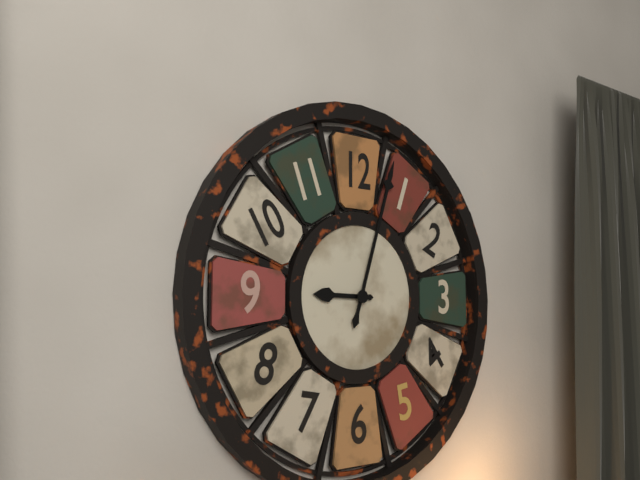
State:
9,03
